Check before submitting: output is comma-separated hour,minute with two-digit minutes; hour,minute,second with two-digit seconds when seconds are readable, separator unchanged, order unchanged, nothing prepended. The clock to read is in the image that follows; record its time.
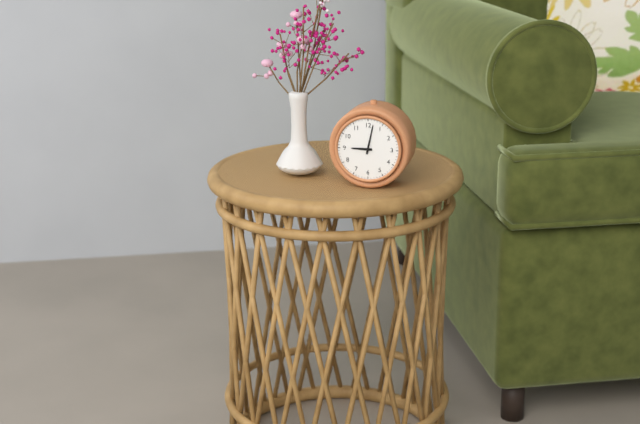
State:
9,02
